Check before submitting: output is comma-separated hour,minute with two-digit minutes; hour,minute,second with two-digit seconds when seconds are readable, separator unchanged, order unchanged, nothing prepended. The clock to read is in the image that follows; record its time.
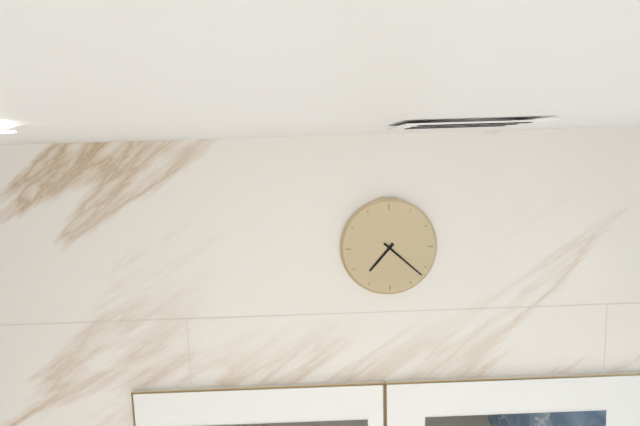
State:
7,22
